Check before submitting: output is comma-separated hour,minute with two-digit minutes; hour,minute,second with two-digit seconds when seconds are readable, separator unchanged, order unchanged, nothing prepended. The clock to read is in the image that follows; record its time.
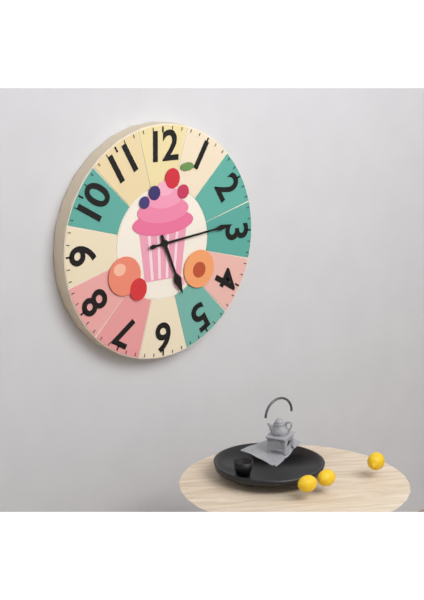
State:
5,14
